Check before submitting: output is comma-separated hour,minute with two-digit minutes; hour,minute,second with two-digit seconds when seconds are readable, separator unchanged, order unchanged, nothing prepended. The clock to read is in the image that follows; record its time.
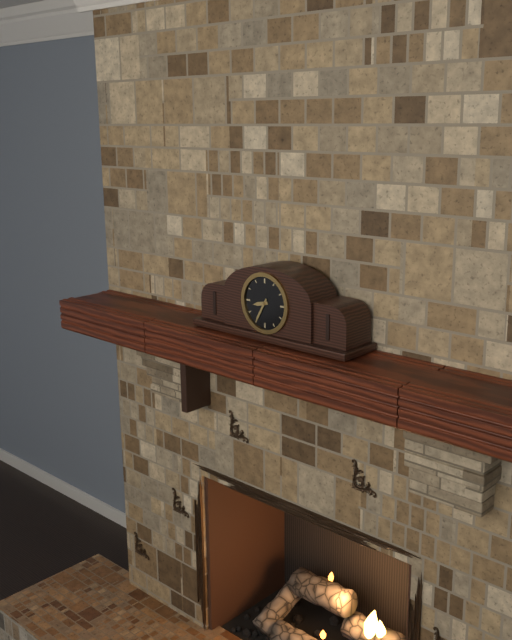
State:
8,35
